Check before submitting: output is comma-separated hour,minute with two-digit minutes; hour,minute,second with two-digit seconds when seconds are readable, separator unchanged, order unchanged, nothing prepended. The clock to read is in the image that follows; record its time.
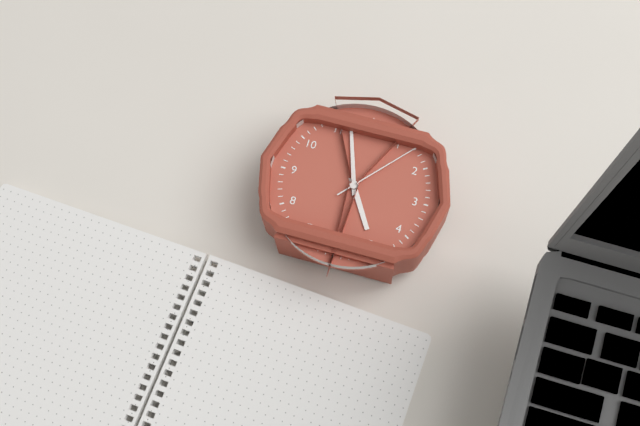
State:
4,57,07
